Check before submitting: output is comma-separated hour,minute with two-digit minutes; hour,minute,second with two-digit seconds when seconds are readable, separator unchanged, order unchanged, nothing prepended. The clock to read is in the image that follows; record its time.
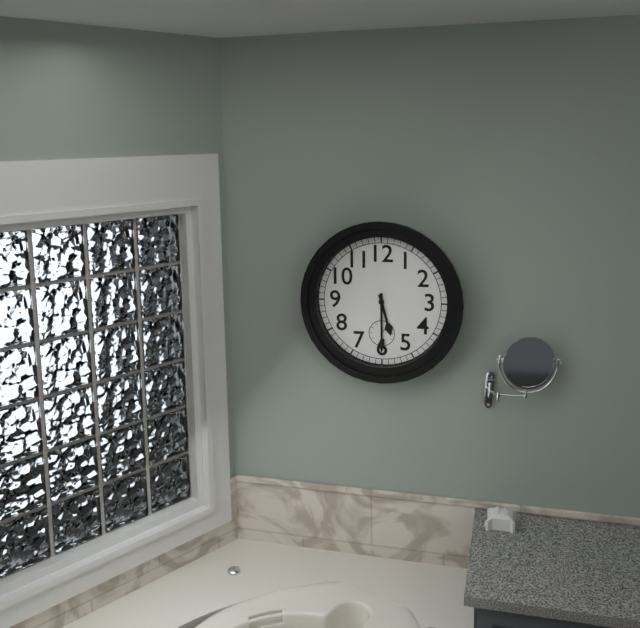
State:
5,30
